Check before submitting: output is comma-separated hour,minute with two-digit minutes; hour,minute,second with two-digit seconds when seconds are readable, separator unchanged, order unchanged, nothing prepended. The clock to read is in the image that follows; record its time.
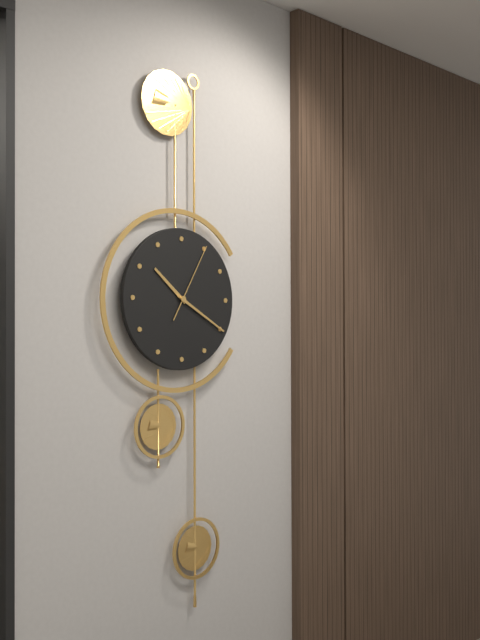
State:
10,20,05
